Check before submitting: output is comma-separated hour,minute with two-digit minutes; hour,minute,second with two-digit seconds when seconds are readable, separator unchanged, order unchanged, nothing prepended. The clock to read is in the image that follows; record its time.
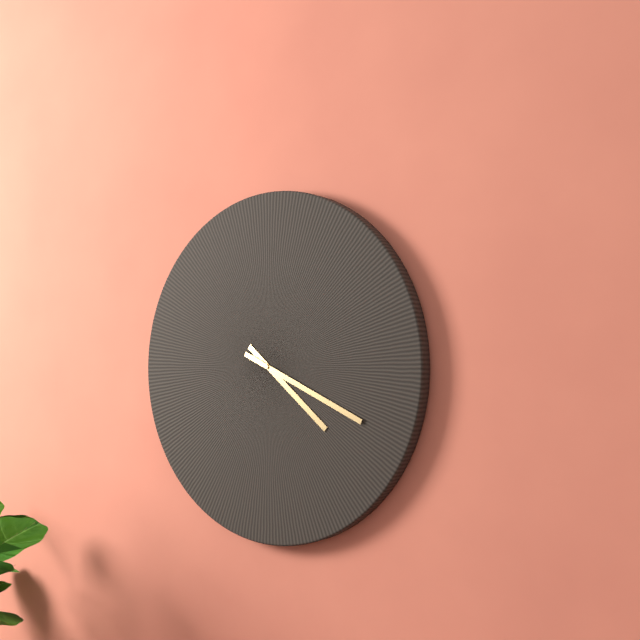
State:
4,19
